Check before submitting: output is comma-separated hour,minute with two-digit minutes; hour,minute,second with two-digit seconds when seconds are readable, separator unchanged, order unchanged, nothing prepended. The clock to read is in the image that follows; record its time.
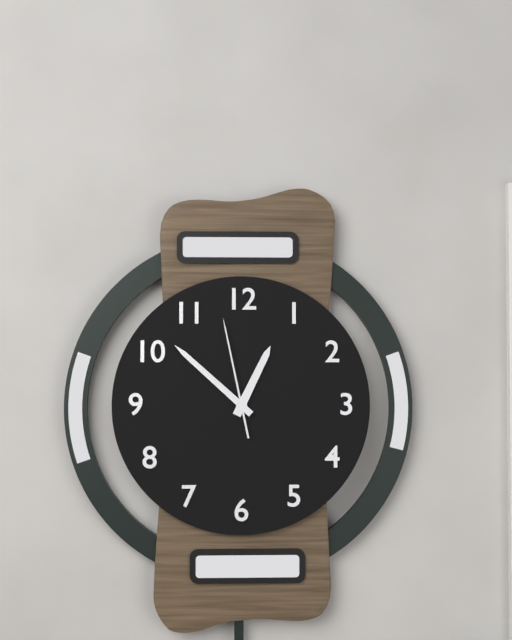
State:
12,52,58
